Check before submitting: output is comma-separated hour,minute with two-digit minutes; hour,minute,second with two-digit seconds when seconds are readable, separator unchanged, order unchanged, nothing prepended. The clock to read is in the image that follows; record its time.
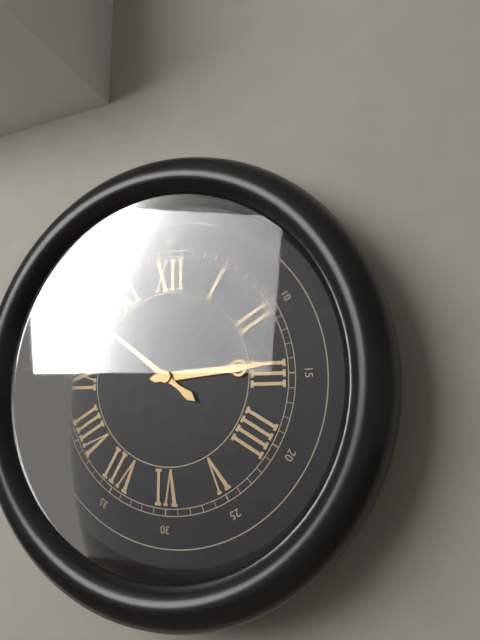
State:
2,51
